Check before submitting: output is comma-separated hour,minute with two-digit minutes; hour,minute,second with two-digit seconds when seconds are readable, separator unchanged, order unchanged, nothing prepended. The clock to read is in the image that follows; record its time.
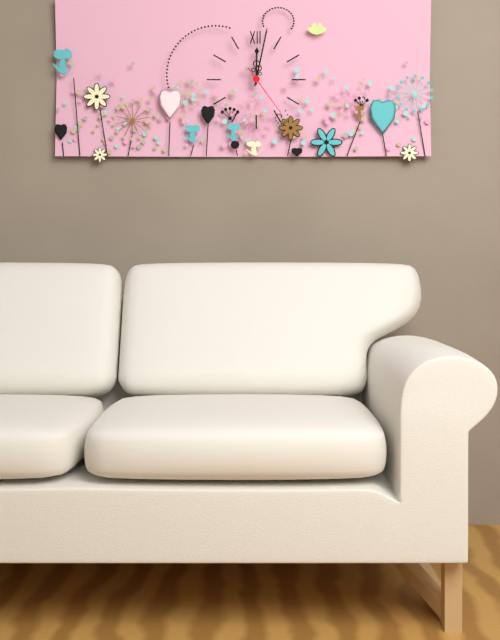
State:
12,02,24
